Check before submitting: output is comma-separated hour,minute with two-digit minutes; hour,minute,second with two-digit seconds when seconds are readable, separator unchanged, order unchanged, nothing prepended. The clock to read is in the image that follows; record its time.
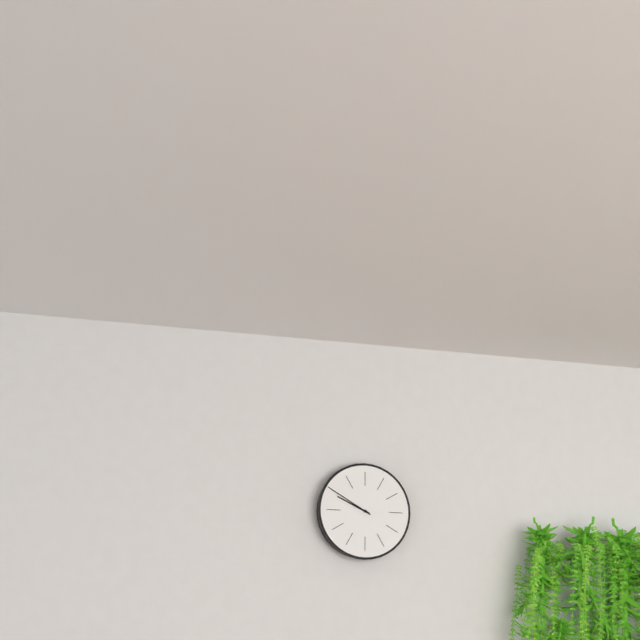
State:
9,50
